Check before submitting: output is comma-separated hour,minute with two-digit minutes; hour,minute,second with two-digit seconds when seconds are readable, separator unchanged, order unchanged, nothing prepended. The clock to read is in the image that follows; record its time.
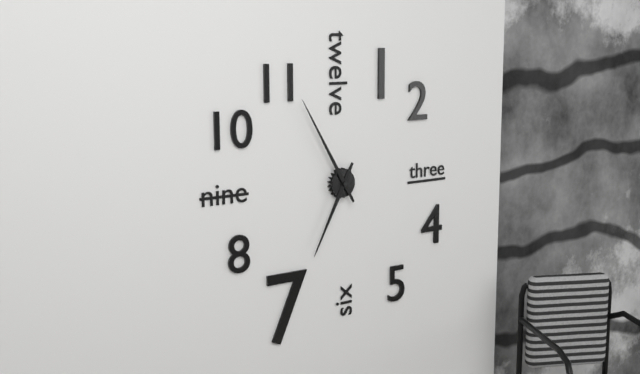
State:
6,55
